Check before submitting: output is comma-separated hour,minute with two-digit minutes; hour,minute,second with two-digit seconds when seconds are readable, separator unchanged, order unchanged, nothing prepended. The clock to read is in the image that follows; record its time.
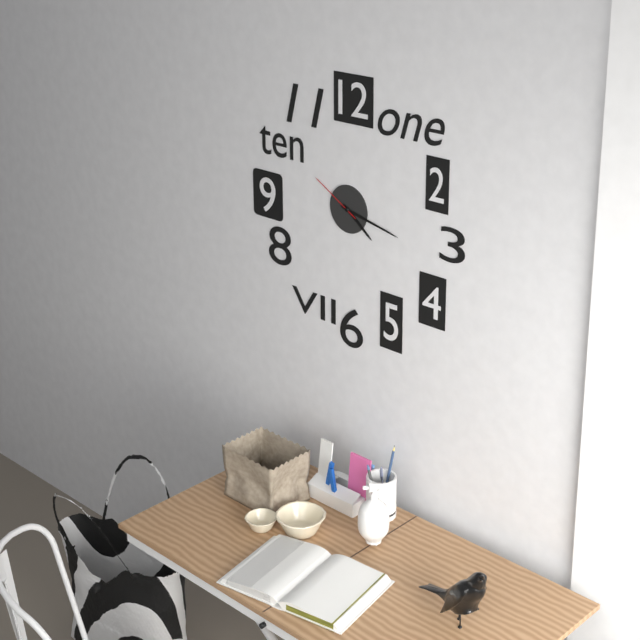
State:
4,17,50
